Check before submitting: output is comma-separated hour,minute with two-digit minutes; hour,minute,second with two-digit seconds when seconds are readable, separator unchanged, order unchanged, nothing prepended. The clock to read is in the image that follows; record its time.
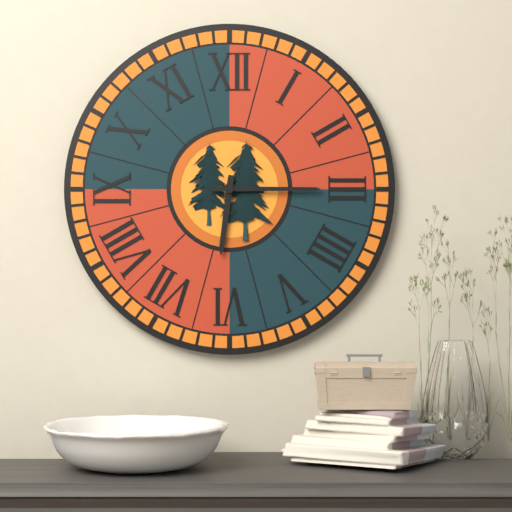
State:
6,15
